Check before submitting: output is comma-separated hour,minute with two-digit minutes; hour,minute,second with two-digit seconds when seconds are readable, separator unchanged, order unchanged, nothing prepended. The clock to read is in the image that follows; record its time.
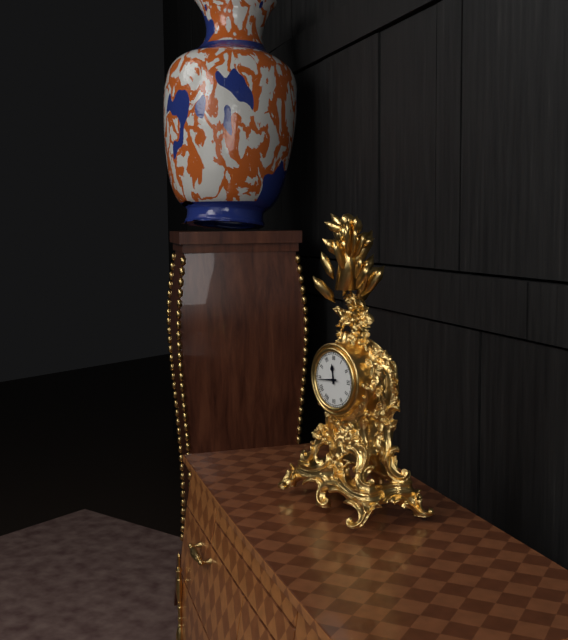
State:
11,44
